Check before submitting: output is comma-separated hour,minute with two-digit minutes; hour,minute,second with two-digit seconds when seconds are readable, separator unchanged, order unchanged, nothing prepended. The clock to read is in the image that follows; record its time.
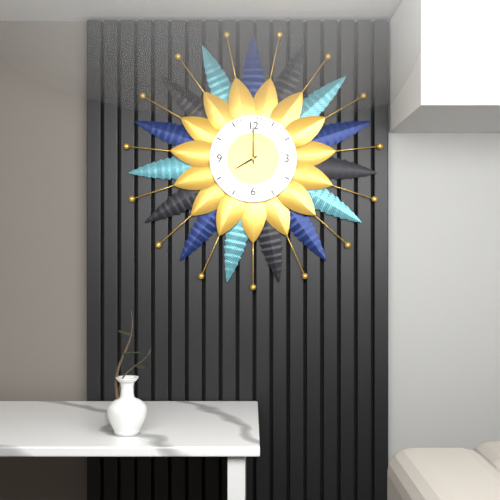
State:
8,00
